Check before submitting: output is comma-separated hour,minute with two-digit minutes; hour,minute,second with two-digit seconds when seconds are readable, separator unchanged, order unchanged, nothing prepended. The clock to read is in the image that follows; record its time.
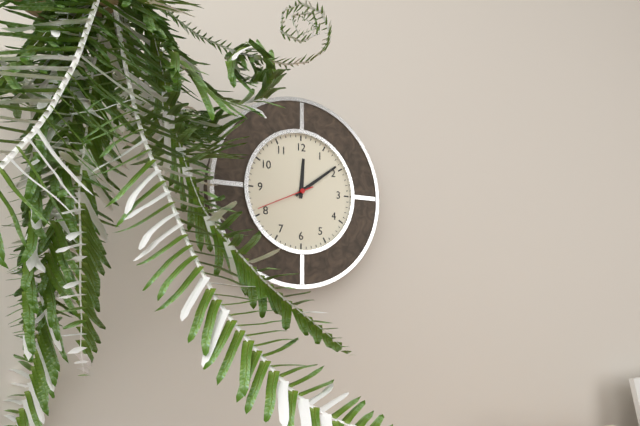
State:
12,09,41
